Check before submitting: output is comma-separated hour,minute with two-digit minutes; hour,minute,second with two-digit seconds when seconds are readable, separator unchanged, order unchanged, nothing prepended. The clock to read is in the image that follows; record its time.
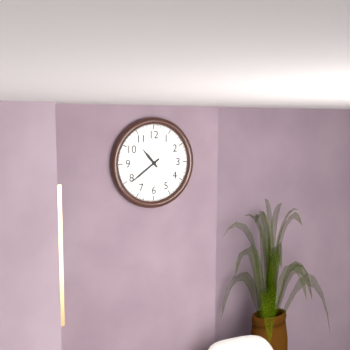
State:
10,39
